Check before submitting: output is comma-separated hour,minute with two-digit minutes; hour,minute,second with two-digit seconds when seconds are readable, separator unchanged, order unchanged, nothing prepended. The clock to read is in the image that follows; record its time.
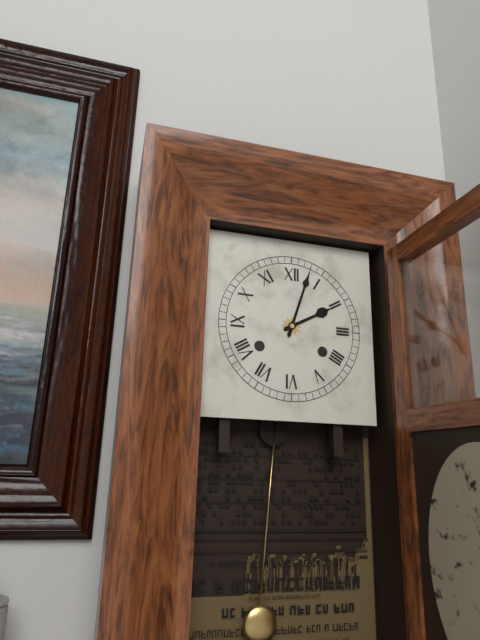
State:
2,03
